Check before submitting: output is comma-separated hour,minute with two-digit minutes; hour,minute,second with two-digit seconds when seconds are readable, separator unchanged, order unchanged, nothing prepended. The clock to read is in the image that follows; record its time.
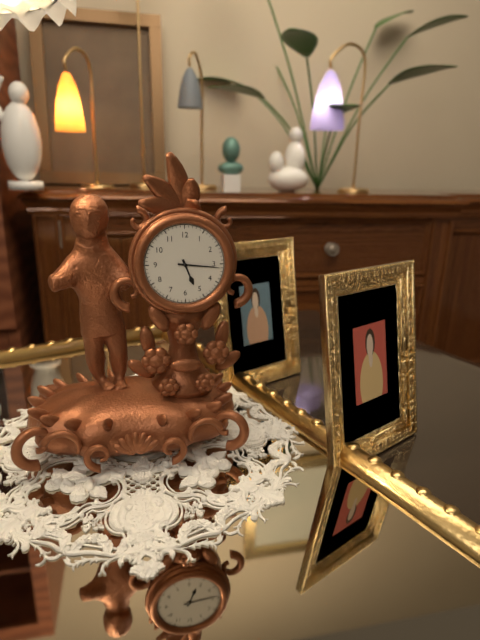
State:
5,16
